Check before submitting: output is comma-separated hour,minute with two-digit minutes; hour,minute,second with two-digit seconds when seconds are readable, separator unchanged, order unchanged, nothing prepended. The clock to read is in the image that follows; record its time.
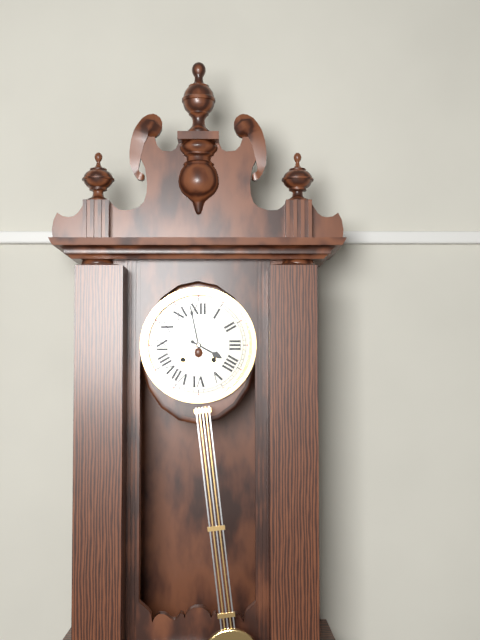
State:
3,58
